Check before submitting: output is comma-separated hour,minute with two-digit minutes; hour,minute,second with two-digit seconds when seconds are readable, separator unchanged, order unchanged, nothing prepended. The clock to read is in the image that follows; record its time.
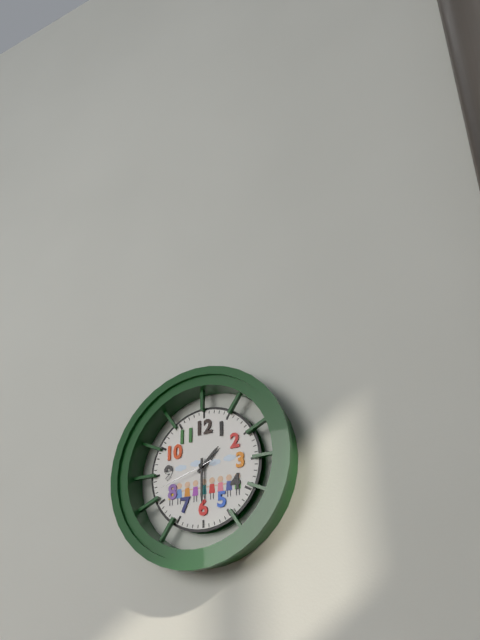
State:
1,30,42
